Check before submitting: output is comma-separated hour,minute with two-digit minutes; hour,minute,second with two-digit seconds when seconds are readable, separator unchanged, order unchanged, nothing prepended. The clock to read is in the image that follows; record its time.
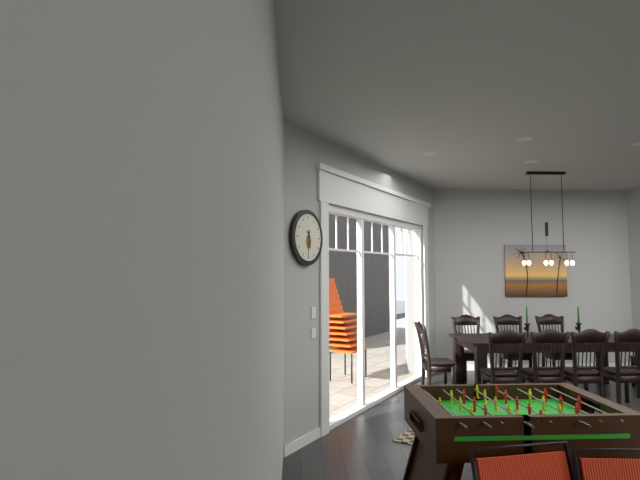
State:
5,31
